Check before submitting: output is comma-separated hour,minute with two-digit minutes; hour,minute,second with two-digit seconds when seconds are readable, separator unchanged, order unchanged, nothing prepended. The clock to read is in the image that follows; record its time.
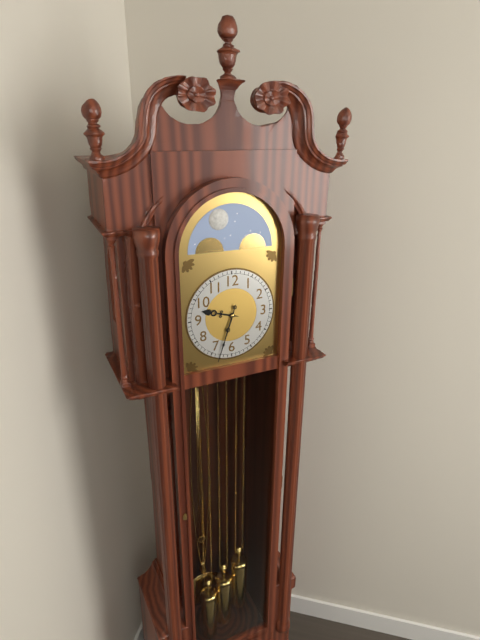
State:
9,33
